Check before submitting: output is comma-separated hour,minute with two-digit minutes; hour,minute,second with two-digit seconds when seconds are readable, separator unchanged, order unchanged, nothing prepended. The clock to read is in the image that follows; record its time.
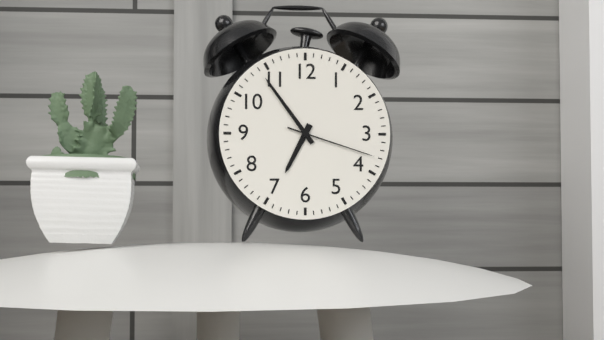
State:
6,54,18
